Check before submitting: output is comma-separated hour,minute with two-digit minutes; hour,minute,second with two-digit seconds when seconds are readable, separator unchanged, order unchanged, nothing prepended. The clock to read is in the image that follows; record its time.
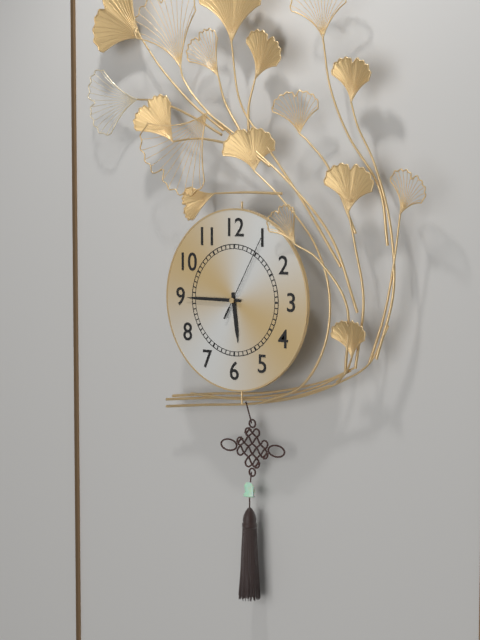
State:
5,45,05
